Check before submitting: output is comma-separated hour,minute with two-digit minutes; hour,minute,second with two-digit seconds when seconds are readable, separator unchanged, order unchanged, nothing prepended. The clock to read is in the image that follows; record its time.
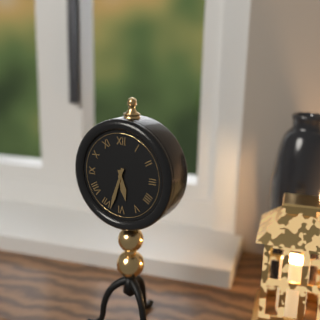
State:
5,33
